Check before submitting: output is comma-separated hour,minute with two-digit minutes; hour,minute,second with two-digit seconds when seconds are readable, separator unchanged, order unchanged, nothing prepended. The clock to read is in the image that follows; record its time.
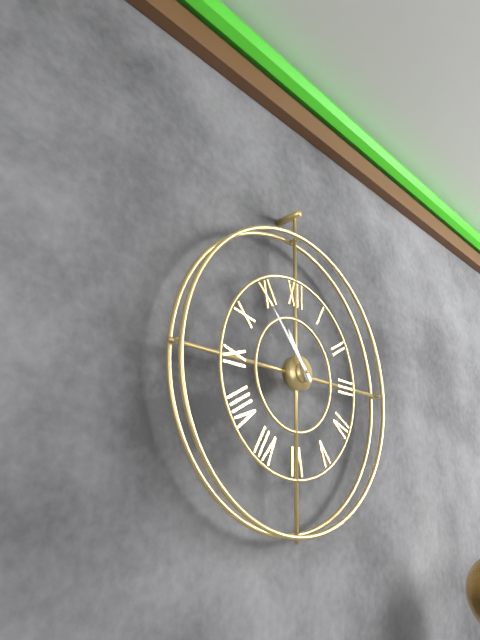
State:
10,53
